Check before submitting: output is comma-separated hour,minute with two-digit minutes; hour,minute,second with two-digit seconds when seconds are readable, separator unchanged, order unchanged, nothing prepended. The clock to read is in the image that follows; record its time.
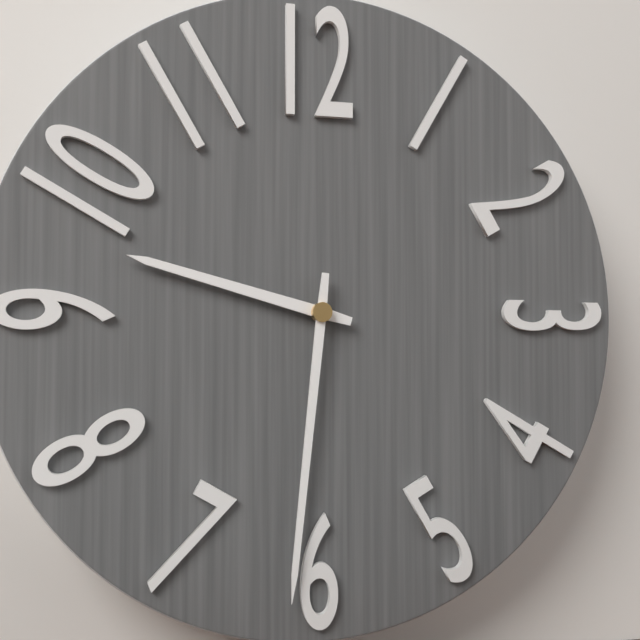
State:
9,31
